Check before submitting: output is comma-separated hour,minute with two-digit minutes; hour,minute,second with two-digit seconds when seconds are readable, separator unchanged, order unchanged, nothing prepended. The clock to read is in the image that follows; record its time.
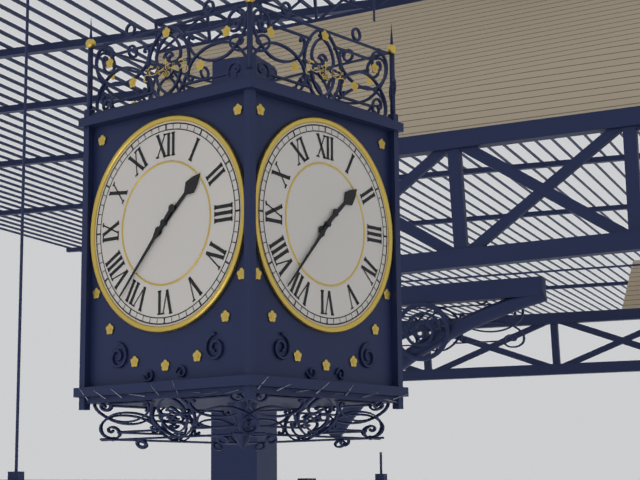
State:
1,37
